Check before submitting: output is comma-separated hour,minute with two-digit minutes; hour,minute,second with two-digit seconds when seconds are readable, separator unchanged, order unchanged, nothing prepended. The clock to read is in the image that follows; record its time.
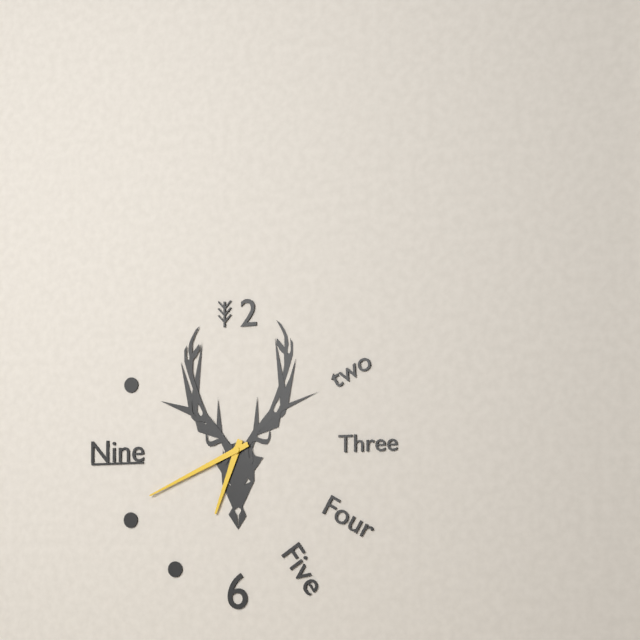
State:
6,41
